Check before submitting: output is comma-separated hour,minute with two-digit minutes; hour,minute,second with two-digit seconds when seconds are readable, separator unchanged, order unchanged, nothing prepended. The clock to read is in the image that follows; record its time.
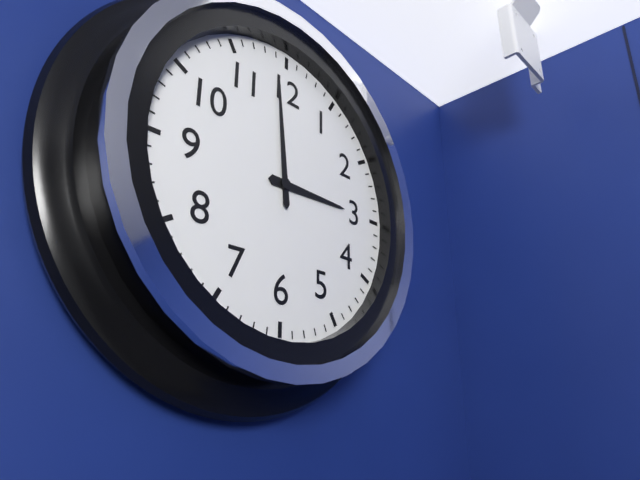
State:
2,59
